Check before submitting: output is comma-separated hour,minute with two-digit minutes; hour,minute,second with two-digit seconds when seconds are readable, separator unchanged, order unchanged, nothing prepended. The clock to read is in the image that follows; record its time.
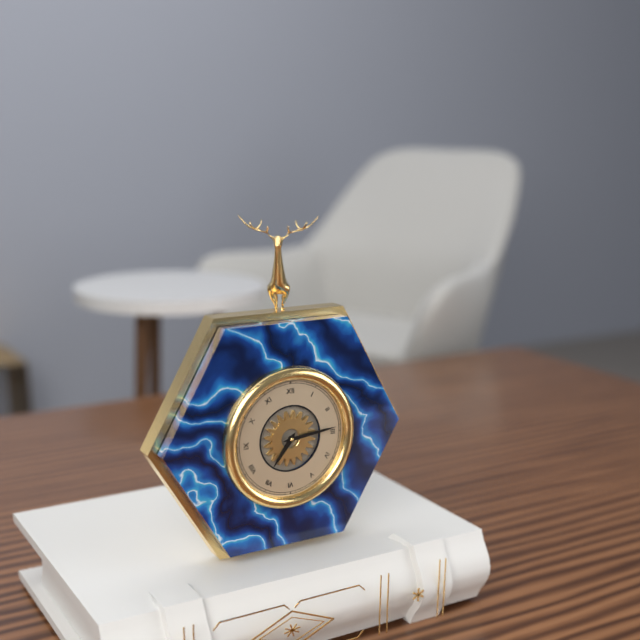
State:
7,14
